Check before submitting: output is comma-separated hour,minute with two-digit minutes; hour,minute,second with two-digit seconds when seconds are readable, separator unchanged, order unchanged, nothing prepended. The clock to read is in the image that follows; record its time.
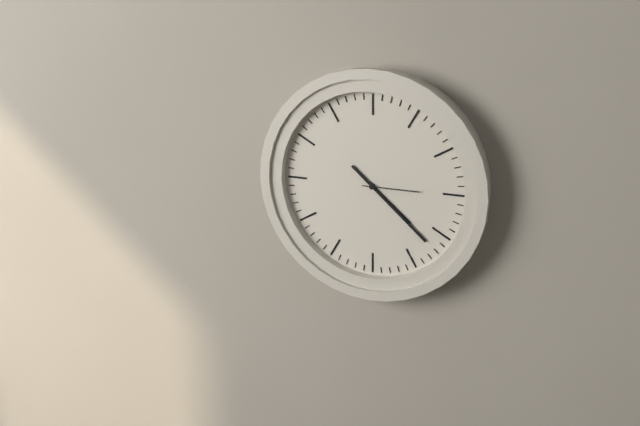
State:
4,22,15
